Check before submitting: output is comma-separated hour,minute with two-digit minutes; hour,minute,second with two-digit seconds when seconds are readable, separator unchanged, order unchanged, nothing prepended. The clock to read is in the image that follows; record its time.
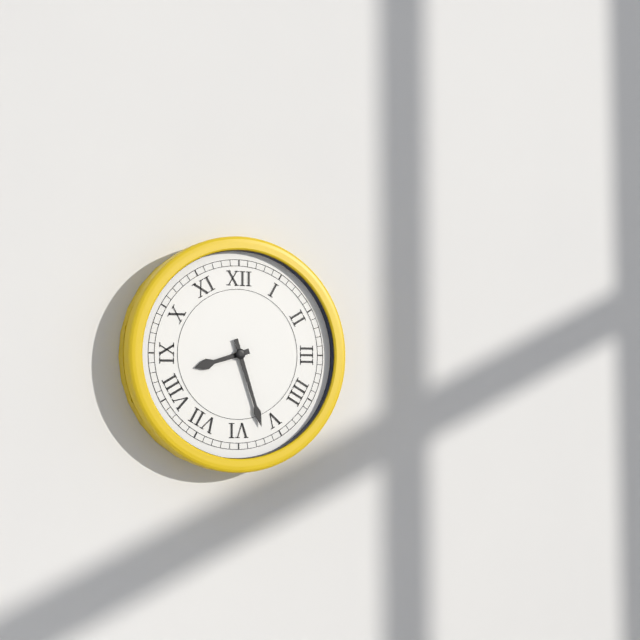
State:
8,27
